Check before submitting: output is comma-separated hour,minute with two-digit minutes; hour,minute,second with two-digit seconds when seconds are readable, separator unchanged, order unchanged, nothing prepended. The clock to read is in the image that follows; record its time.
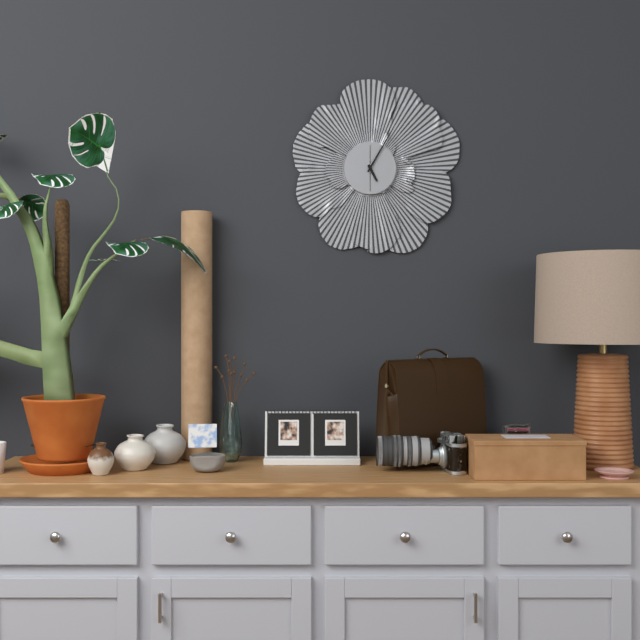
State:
5,05
